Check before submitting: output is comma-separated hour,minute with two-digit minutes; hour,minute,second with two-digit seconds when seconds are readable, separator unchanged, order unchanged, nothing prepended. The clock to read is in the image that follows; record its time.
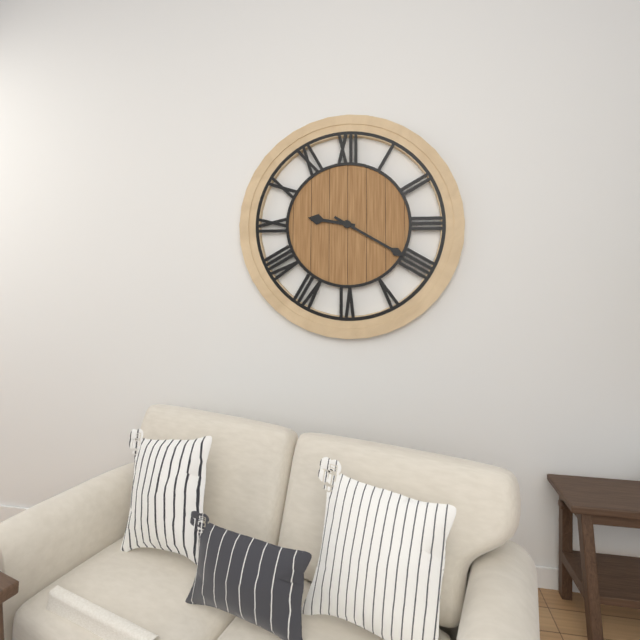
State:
9,20
